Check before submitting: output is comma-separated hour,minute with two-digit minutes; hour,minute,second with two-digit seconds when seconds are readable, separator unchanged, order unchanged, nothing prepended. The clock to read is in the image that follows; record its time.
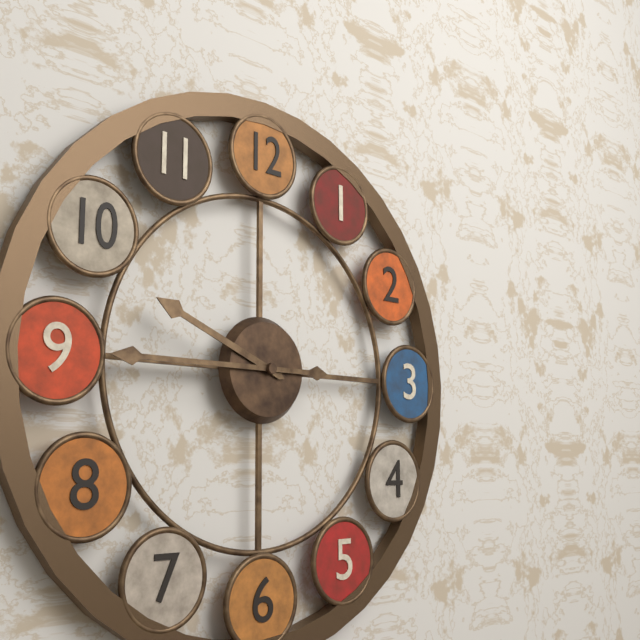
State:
9,45
